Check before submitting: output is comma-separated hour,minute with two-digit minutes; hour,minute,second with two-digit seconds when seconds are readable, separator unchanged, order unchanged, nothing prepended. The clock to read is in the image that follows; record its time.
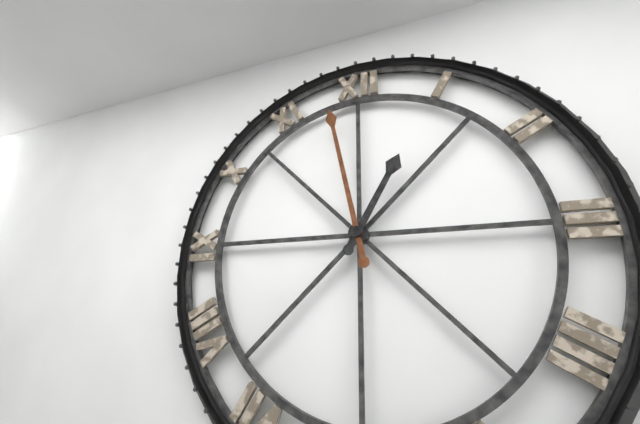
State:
12,58
